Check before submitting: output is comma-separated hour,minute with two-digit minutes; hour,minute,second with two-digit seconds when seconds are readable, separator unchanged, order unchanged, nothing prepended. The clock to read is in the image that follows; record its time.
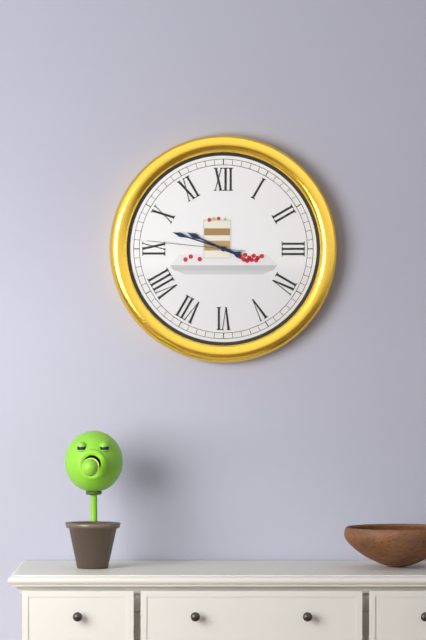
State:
9,48,46
